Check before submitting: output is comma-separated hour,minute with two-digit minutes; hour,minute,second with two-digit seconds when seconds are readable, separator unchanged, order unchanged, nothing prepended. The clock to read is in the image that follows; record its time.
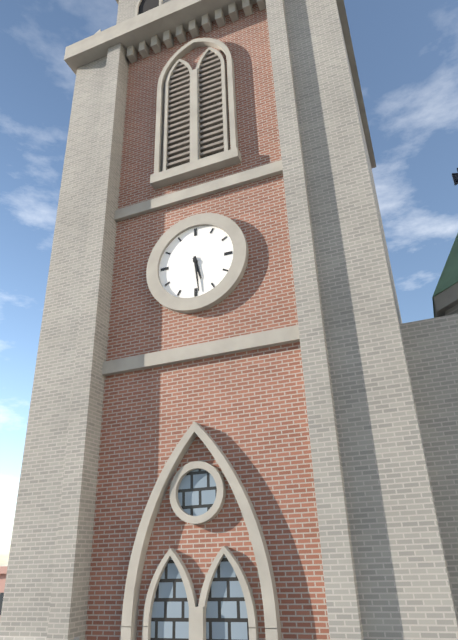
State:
5,29
